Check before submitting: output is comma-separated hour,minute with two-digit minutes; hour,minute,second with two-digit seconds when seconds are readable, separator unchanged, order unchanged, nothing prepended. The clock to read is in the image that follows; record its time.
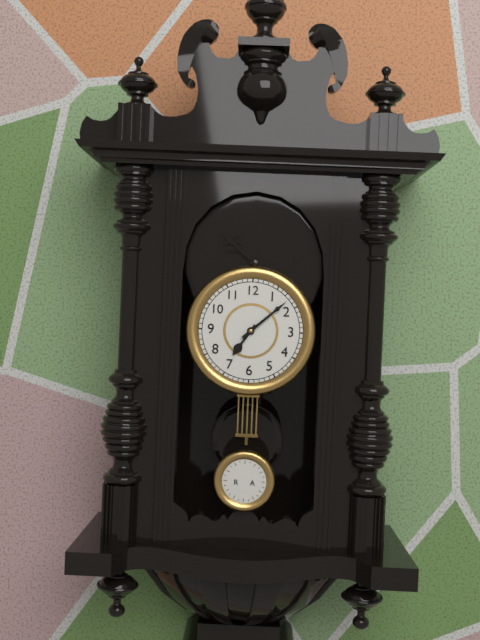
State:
7,08
